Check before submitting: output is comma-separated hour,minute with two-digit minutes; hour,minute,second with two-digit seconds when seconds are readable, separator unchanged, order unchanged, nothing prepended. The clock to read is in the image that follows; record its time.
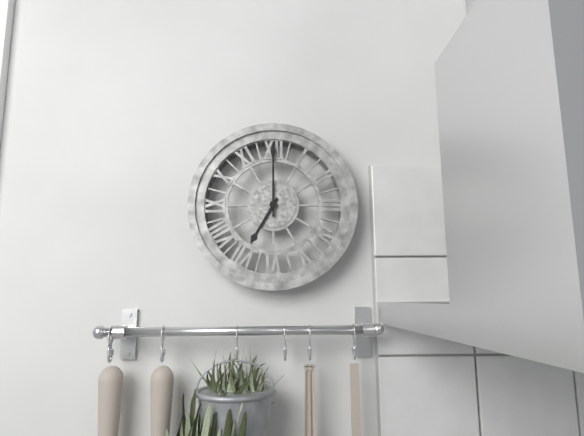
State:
7,00
